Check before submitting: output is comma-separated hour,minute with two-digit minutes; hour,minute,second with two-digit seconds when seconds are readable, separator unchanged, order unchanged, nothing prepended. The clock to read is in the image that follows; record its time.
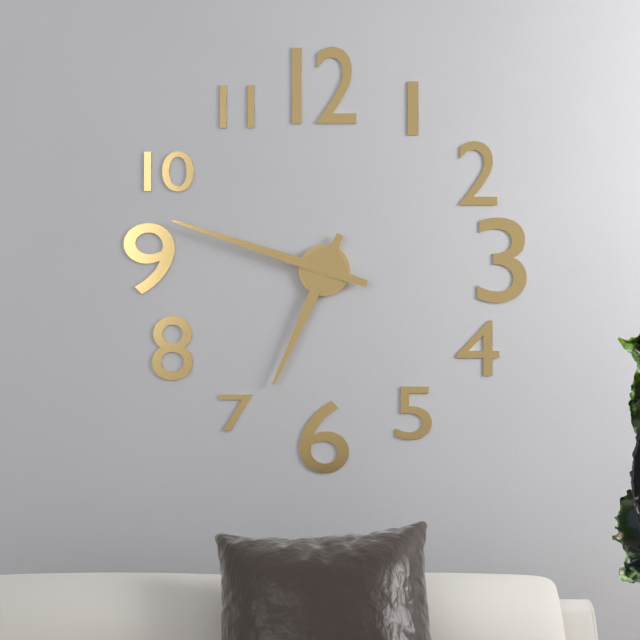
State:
6,48
